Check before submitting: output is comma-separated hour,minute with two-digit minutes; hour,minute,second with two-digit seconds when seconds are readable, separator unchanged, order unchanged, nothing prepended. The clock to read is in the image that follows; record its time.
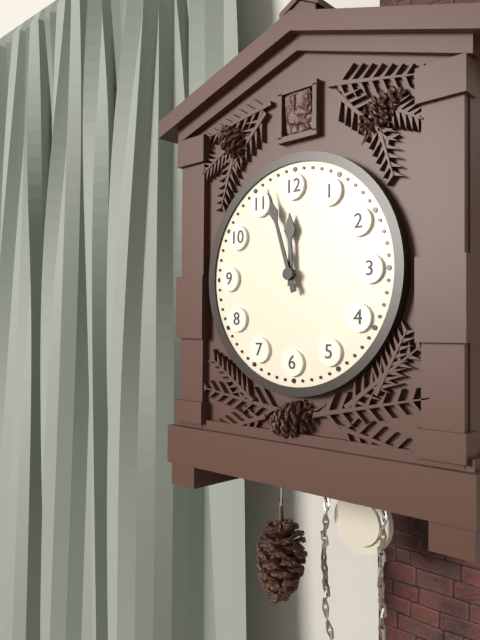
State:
11,57
